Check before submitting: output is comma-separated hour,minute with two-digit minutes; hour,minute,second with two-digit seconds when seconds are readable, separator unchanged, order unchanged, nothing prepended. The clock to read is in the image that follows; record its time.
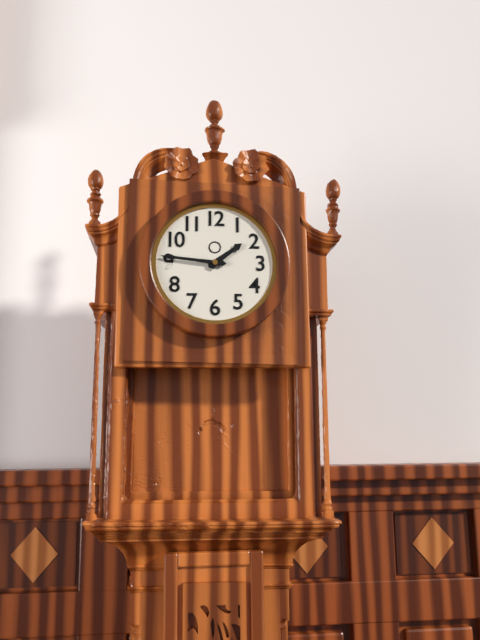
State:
1,46
